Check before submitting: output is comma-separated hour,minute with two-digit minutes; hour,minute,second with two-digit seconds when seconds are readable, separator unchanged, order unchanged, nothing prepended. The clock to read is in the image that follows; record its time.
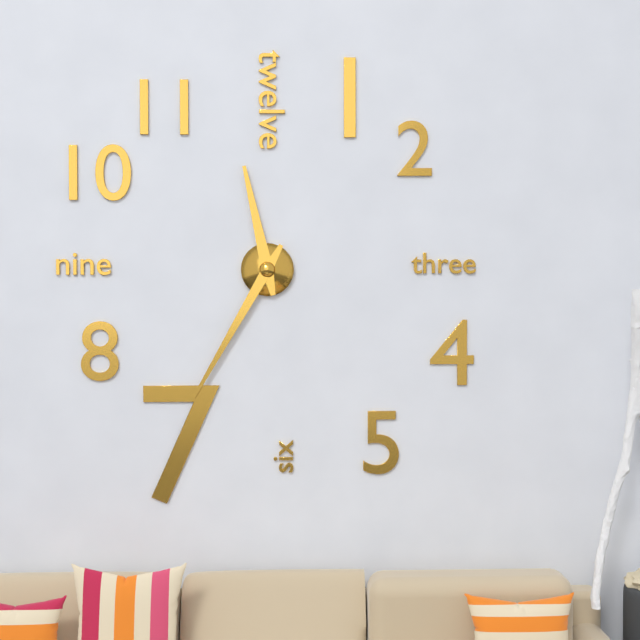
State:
11,35
